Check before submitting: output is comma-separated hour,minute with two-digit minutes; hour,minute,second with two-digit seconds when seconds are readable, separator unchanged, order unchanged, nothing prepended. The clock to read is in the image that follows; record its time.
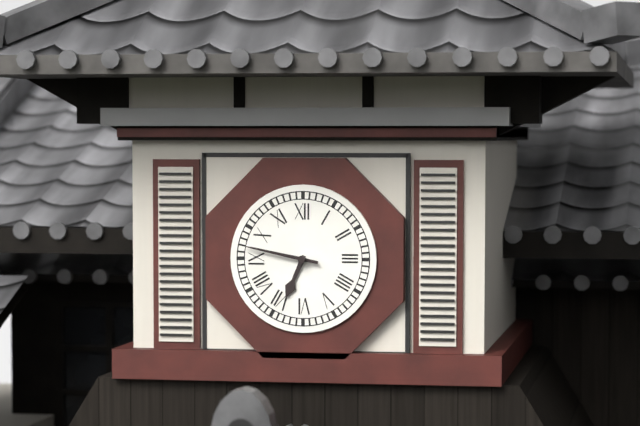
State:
6,47
